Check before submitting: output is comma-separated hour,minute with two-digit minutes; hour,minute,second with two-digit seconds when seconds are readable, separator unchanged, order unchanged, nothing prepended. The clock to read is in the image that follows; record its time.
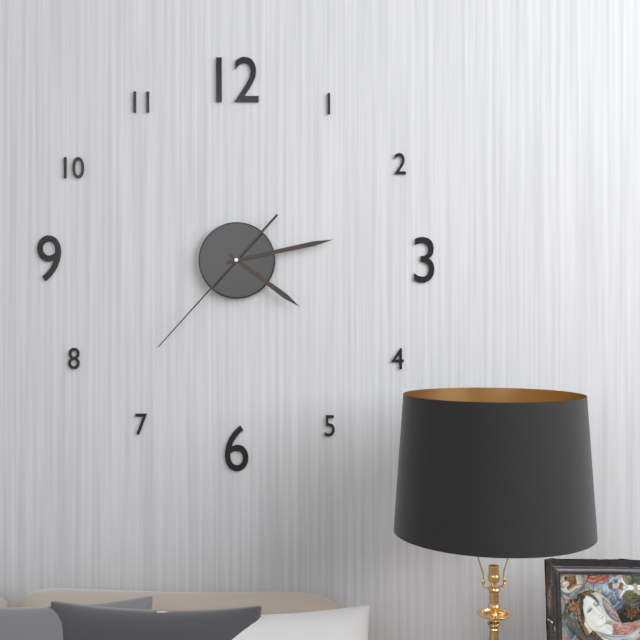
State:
4,13,37
